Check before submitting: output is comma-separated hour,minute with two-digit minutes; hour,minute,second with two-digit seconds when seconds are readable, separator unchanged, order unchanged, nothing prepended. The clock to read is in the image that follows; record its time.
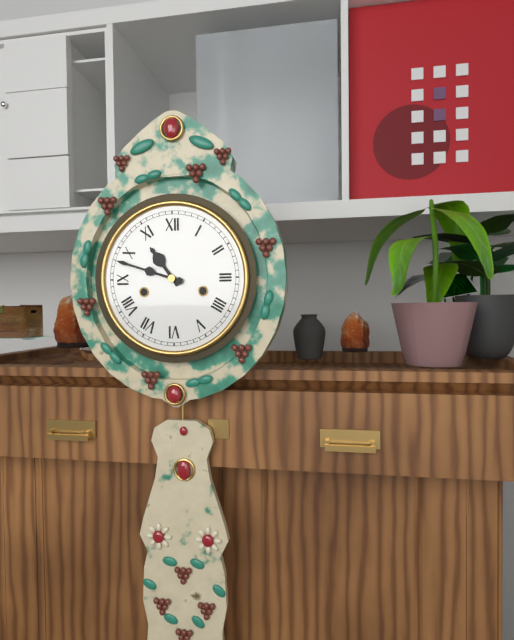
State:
10,48
